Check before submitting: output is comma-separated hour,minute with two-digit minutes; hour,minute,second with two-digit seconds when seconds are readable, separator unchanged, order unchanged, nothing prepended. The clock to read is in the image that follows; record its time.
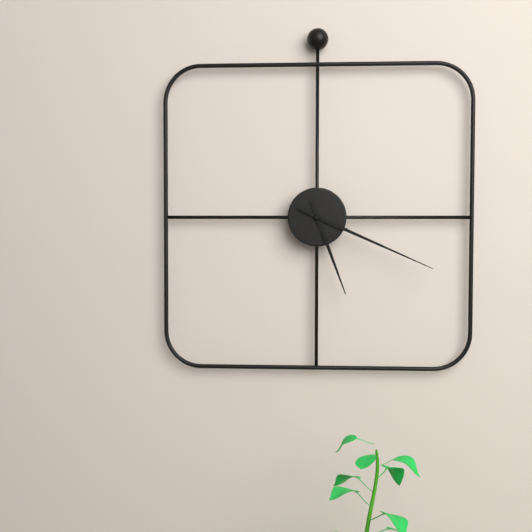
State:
5,19
